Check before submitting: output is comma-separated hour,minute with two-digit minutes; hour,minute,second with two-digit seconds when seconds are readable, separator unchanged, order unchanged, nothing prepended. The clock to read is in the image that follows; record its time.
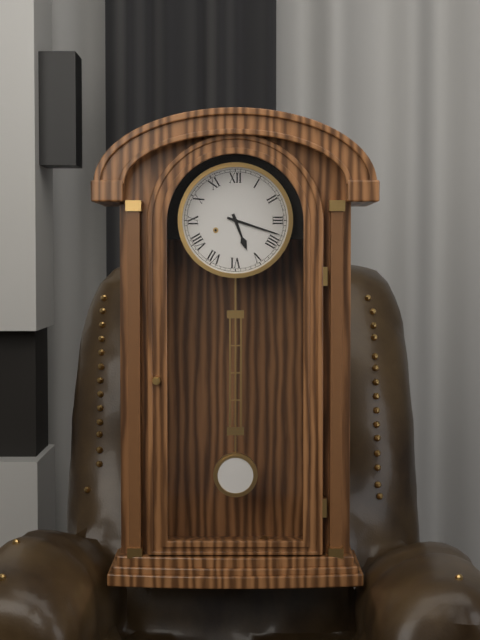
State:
5,18
